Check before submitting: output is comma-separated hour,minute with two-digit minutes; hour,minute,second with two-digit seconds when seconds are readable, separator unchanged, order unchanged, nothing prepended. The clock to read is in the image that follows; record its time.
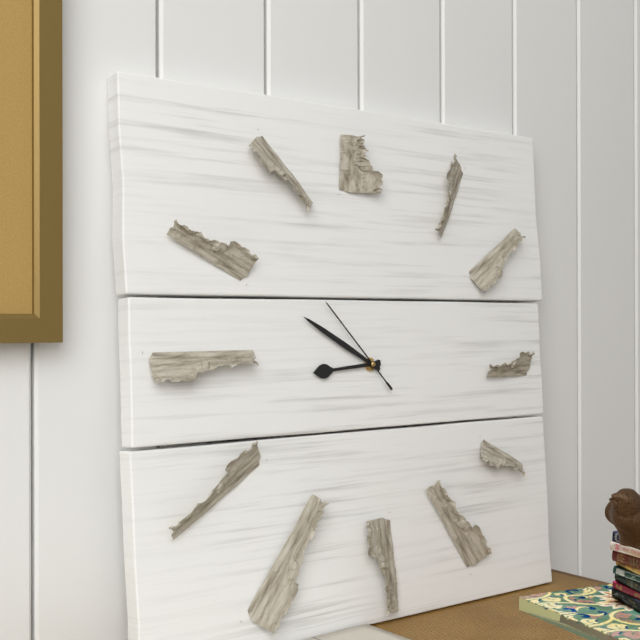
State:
8,50,53
